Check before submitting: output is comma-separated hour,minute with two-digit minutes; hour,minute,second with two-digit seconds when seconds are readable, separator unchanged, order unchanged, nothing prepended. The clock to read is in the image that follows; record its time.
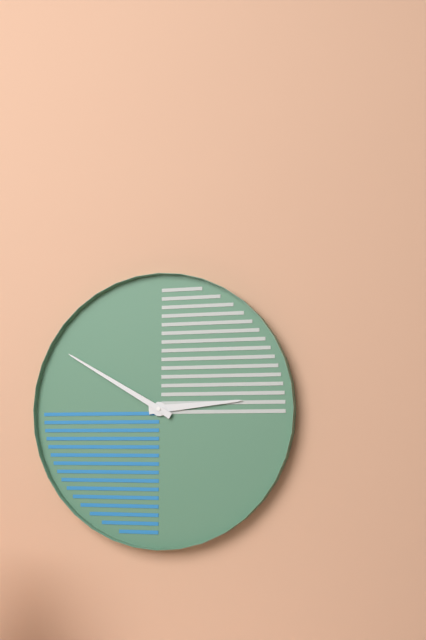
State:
2,50
